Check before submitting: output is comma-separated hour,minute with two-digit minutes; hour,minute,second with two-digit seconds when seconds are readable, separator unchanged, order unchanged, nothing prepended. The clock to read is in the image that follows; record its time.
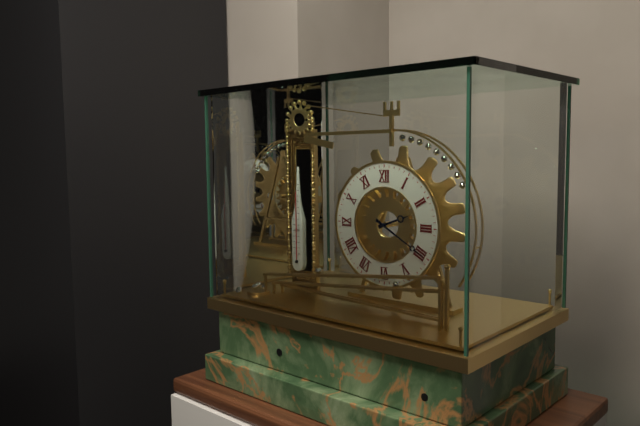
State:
2,20
